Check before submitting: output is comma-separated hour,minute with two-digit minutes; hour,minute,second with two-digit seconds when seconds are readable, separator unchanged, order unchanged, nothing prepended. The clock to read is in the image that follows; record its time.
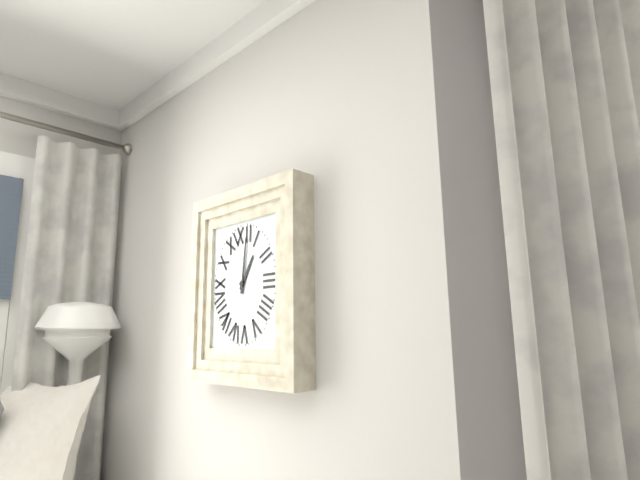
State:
1,01
